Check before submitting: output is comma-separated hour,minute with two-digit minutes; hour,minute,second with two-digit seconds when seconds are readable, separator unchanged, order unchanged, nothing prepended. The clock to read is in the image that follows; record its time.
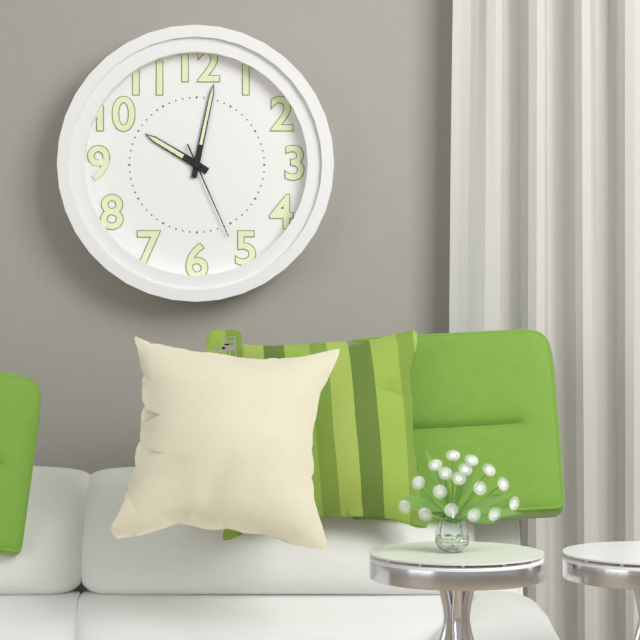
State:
10,02,26
